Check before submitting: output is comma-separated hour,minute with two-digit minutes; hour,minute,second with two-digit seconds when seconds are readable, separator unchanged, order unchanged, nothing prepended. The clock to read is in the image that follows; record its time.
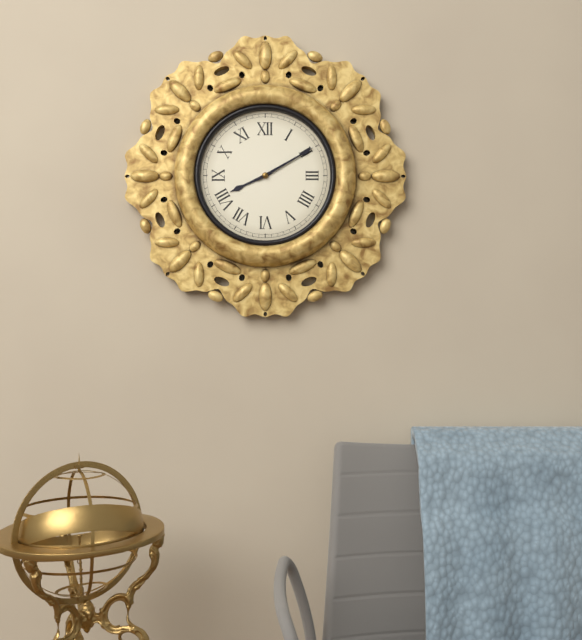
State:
8,10
